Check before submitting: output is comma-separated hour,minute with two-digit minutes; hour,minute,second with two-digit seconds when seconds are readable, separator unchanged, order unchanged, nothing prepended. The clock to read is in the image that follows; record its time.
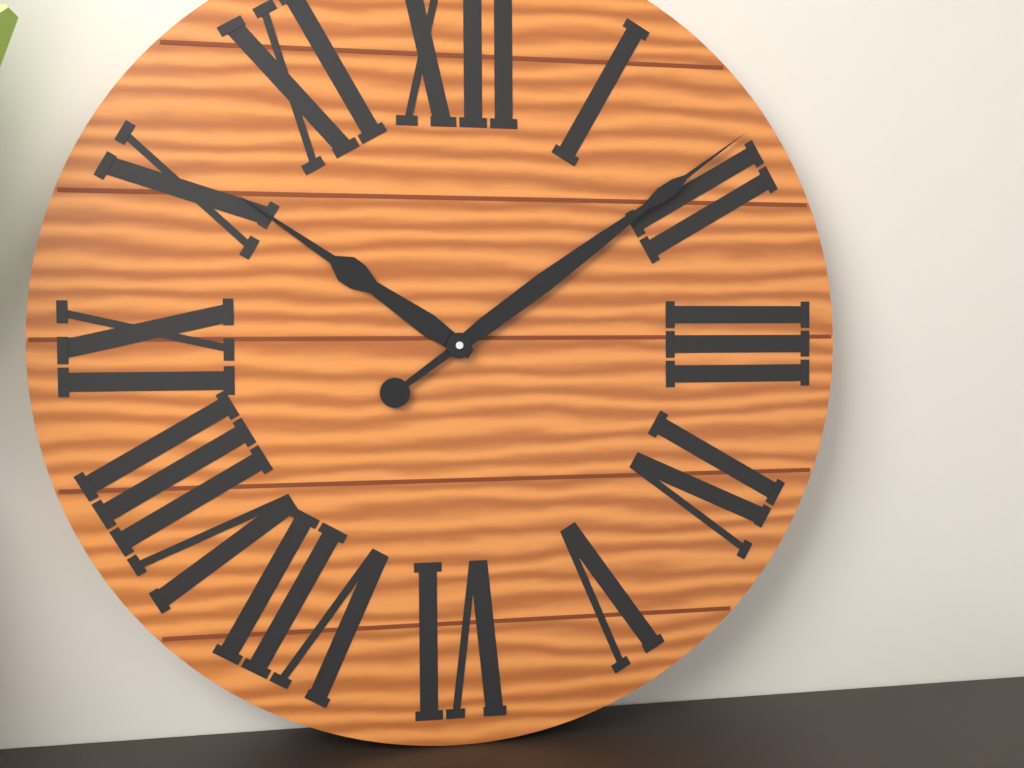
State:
10,09
